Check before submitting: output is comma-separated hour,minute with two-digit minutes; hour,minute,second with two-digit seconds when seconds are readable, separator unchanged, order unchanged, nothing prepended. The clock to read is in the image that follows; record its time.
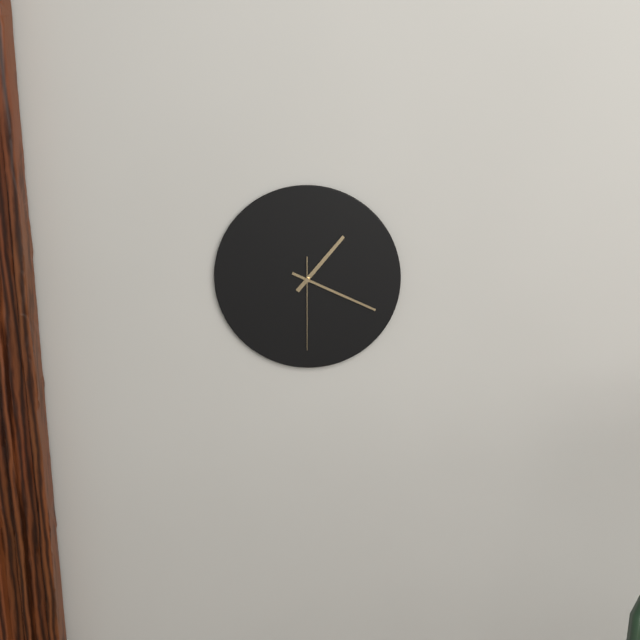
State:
1,19,30
